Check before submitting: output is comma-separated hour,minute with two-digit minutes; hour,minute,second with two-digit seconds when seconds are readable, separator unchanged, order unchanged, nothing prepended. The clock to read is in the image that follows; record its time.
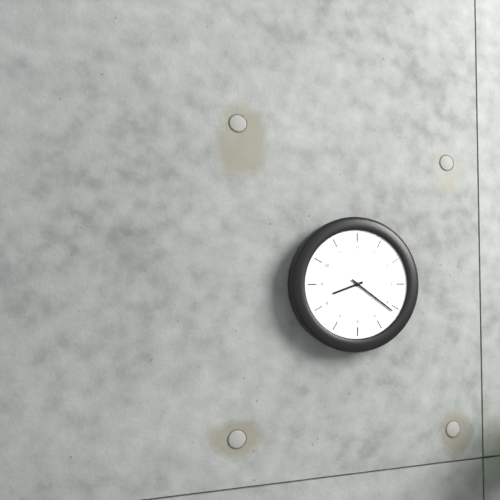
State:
8,21
